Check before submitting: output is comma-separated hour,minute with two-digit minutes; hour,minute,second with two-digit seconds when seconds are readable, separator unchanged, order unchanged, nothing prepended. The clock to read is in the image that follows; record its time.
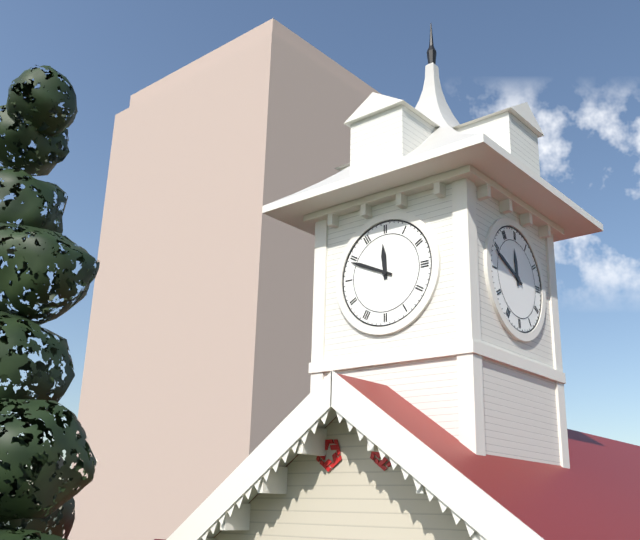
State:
11,49
